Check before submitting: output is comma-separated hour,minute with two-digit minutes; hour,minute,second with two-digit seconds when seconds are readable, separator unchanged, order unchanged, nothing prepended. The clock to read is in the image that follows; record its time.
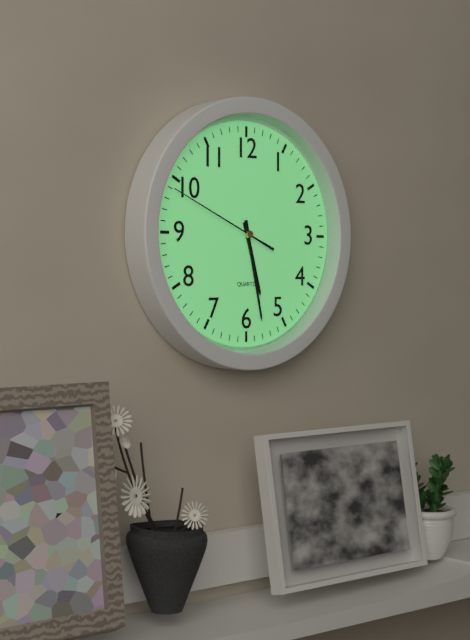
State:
5,28,49
